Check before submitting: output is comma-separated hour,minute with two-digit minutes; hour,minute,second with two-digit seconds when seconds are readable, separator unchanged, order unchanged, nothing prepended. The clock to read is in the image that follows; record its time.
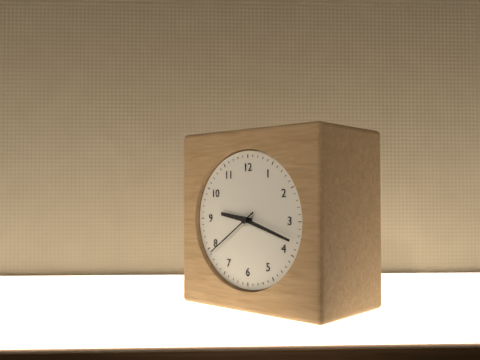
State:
9,18,39
